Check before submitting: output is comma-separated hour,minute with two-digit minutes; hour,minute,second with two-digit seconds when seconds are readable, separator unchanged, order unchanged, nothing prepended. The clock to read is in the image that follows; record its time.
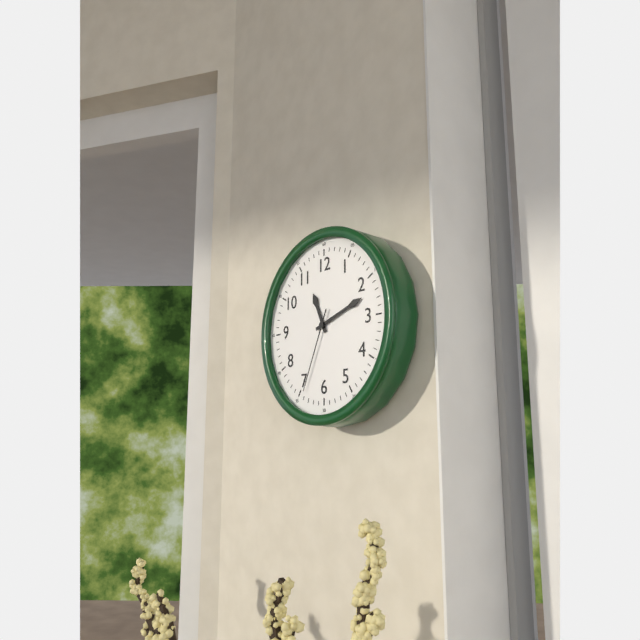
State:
11,12,34
